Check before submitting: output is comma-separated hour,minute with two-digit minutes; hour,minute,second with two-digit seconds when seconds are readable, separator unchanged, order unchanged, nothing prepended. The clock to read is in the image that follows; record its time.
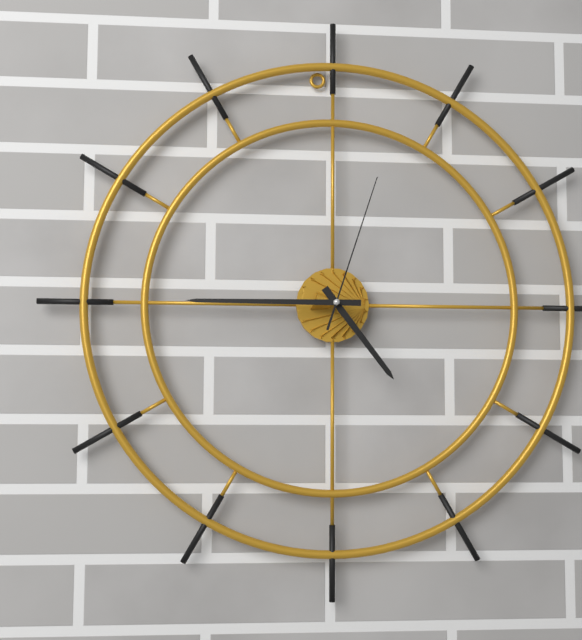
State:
4,45,03
